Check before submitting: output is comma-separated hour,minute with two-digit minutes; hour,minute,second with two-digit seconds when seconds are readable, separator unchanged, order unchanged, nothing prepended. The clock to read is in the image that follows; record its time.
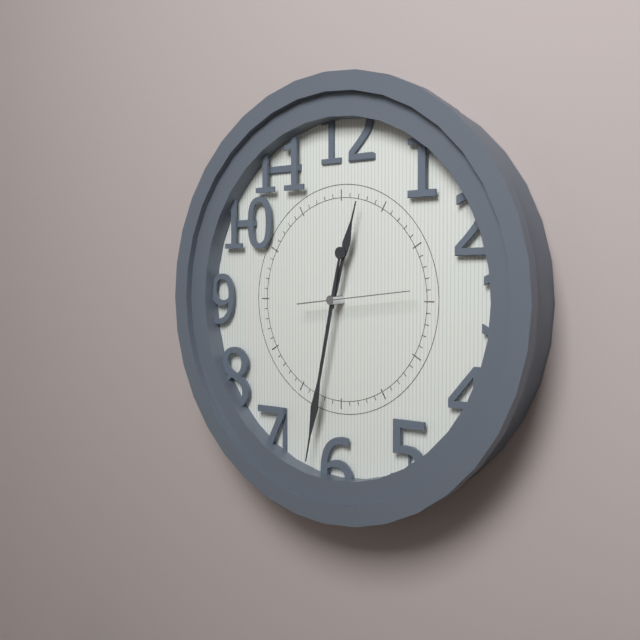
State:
12,32,14
